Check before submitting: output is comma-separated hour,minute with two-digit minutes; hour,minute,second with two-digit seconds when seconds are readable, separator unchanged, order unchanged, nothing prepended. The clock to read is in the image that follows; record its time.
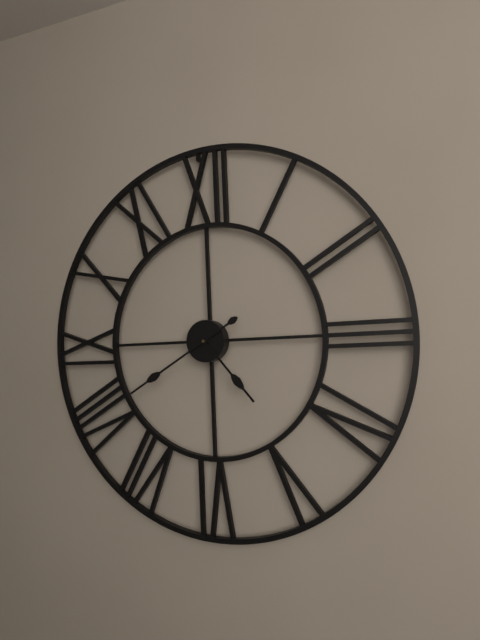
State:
4,40
